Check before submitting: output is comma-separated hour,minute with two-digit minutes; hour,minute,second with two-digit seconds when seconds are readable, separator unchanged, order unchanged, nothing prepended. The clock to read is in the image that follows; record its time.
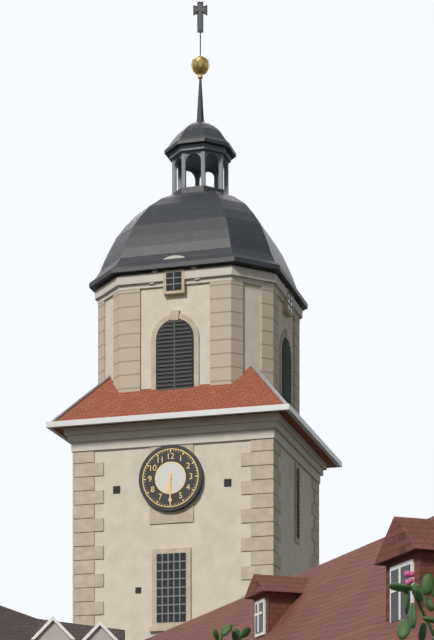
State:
6,30
